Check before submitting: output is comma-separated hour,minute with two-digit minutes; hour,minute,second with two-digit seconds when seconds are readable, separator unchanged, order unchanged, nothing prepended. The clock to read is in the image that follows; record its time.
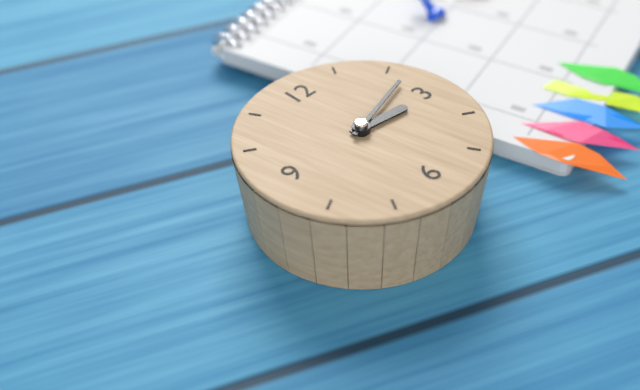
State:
3,12
